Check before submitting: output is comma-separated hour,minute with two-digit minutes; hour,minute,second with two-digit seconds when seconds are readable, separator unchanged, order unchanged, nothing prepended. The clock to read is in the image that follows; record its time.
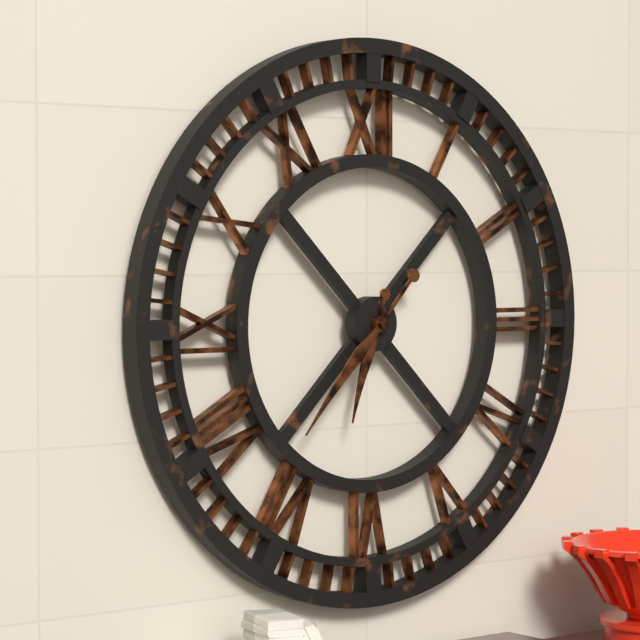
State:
6,37
